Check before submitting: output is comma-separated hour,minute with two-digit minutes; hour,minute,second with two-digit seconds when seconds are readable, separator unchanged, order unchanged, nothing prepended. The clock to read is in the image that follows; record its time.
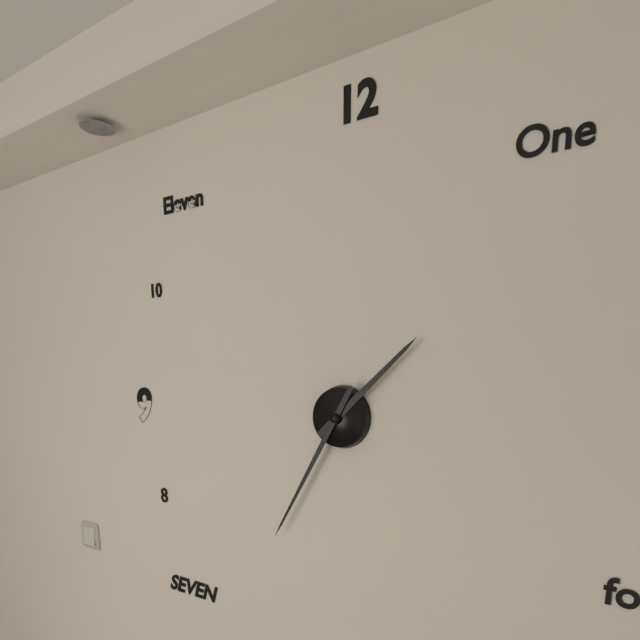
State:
1,35
